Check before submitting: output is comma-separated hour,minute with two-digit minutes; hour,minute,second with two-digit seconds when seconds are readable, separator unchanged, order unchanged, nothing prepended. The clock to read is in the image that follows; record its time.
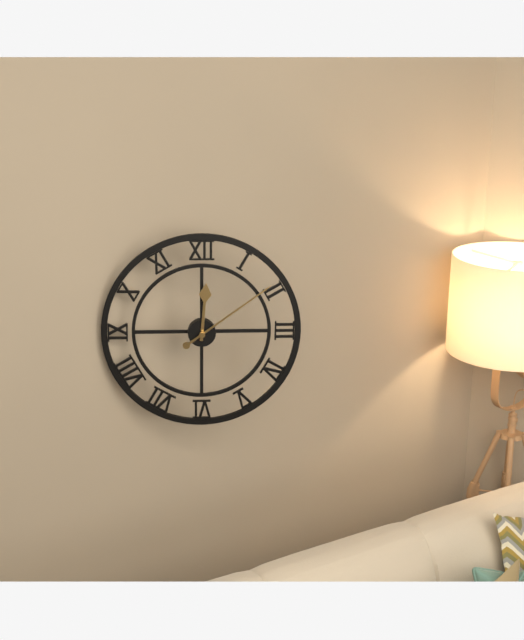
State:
12,09
